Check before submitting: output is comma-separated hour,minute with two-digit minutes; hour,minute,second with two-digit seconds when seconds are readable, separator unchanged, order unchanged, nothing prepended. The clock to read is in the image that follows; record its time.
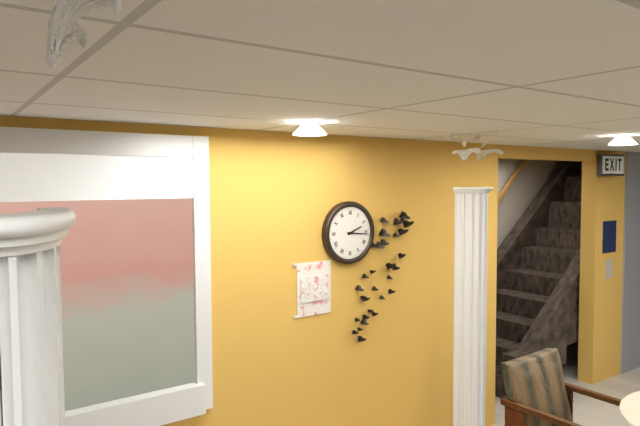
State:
2,16
